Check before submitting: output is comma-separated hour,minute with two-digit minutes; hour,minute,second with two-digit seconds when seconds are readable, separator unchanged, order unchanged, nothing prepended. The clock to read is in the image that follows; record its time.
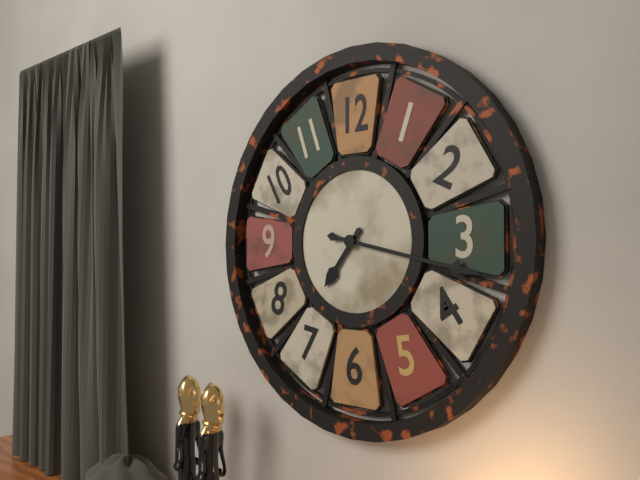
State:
7,17
